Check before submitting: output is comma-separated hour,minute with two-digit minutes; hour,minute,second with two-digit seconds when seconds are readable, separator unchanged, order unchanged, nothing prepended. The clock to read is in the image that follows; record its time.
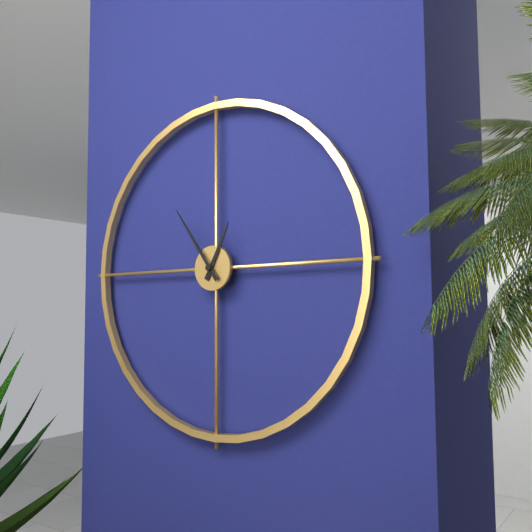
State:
12,54
